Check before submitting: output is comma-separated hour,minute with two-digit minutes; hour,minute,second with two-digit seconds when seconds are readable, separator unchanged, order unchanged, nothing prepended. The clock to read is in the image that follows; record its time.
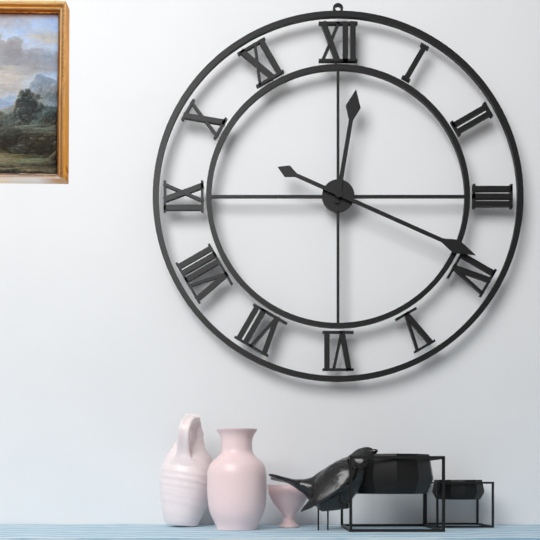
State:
12,19
